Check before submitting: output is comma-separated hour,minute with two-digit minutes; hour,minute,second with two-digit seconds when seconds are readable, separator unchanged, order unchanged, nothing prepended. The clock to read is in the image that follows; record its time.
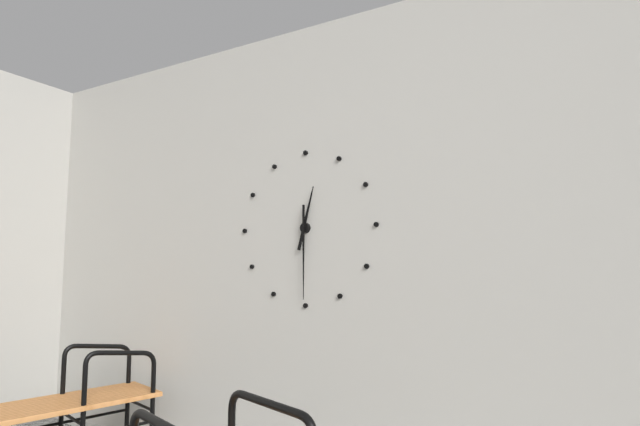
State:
12,30
